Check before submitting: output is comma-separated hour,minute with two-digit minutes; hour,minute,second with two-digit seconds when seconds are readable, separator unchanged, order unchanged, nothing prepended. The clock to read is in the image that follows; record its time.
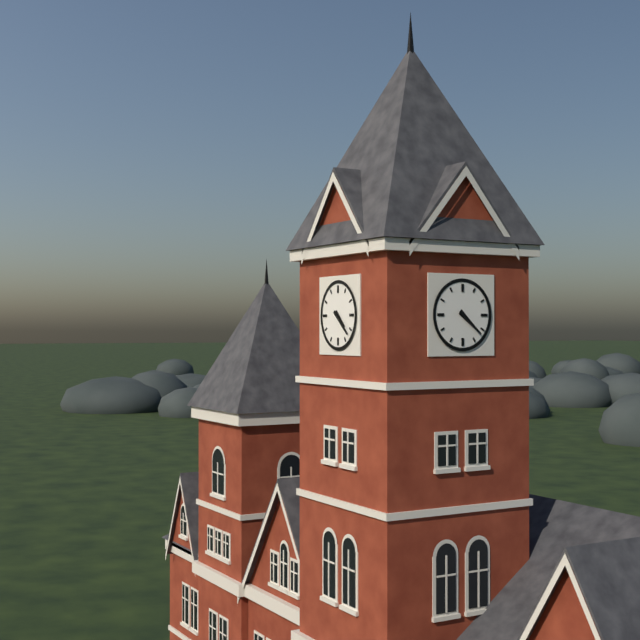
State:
4,22
